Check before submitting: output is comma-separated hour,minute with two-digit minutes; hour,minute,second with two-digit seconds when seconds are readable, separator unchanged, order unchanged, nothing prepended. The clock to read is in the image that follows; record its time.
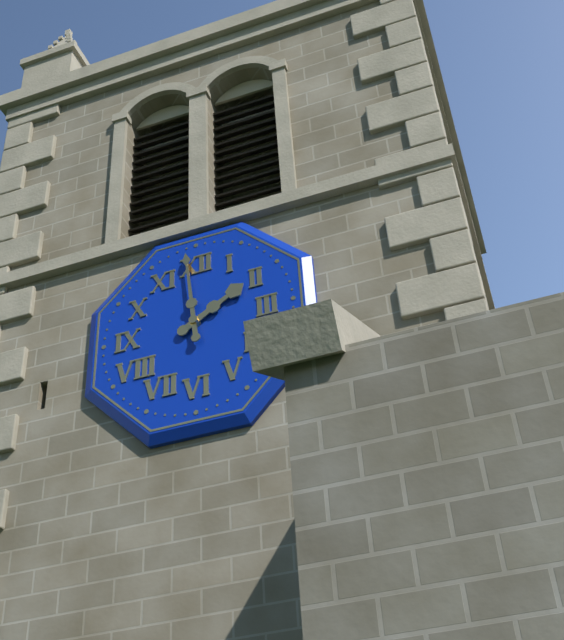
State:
1,59
